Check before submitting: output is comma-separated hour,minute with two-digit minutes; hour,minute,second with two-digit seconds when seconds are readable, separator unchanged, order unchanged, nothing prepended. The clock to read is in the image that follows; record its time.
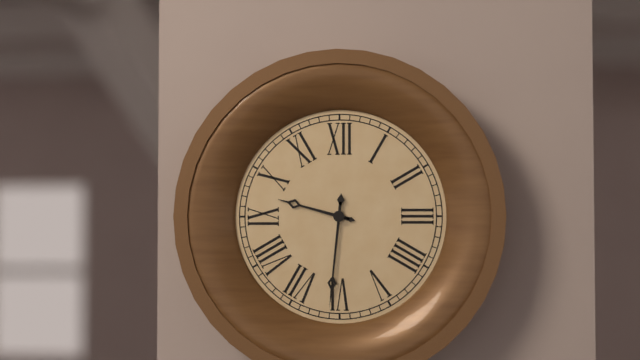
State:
9,31
